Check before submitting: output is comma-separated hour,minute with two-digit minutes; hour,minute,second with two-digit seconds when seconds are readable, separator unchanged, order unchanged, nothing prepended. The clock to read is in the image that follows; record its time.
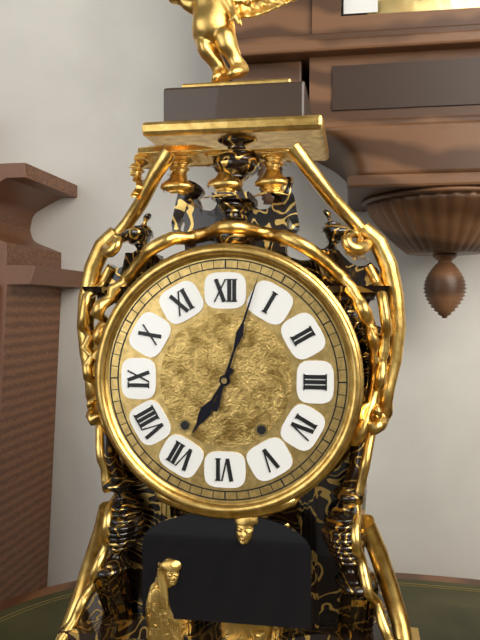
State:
7,03
